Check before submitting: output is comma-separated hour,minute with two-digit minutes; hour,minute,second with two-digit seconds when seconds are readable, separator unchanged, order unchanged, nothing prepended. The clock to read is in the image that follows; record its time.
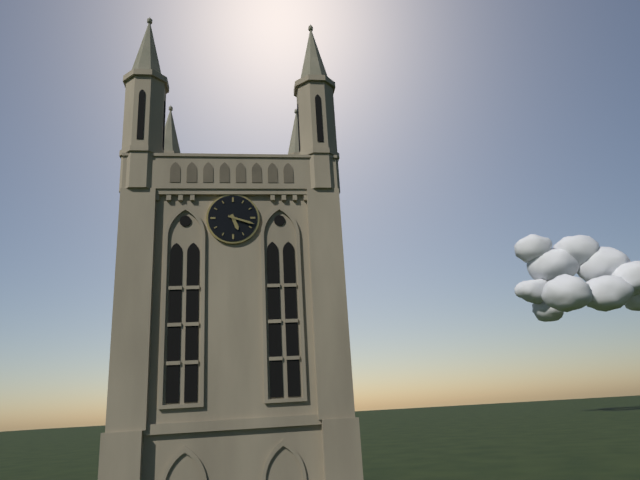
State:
5,18
